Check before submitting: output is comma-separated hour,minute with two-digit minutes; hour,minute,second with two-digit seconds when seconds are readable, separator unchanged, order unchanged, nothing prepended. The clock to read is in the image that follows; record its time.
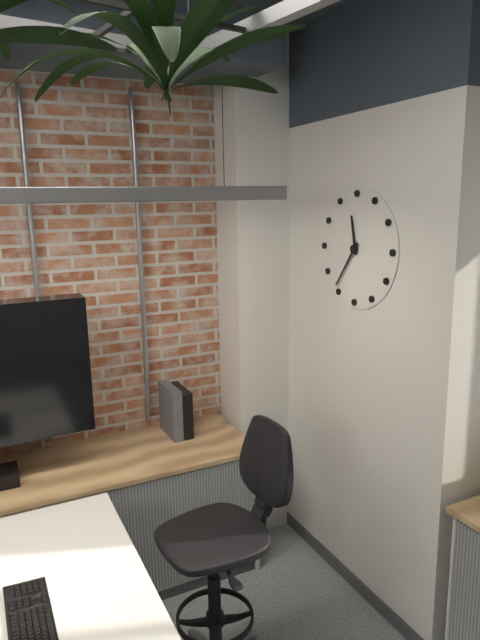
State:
11,36
